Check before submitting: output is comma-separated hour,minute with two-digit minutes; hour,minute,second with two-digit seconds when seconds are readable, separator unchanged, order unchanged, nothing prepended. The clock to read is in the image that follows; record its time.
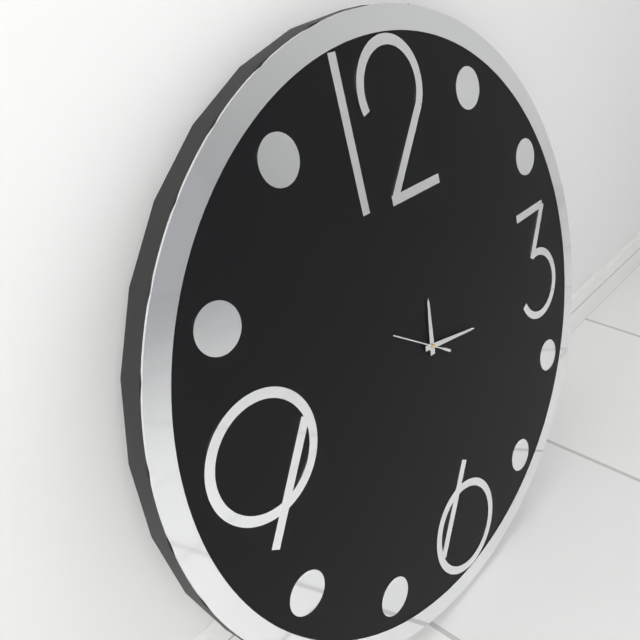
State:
12,17,51
